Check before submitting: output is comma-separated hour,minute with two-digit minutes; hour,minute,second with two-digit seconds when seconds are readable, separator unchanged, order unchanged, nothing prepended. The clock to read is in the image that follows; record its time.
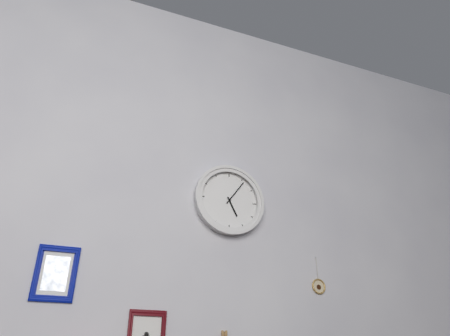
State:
5,06
